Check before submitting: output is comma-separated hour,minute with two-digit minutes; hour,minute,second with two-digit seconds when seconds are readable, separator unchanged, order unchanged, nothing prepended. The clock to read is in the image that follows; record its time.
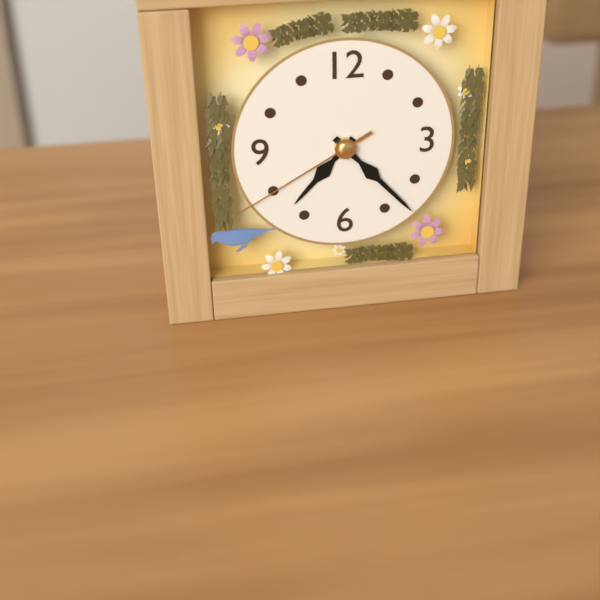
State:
7,23,40
